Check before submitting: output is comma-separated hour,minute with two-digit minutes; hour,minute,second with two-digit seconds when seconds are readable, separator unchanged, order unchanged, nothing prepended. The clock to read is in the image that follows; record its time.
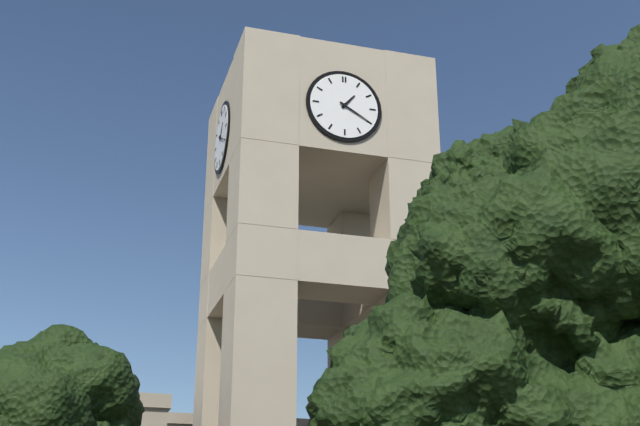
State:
1,20
